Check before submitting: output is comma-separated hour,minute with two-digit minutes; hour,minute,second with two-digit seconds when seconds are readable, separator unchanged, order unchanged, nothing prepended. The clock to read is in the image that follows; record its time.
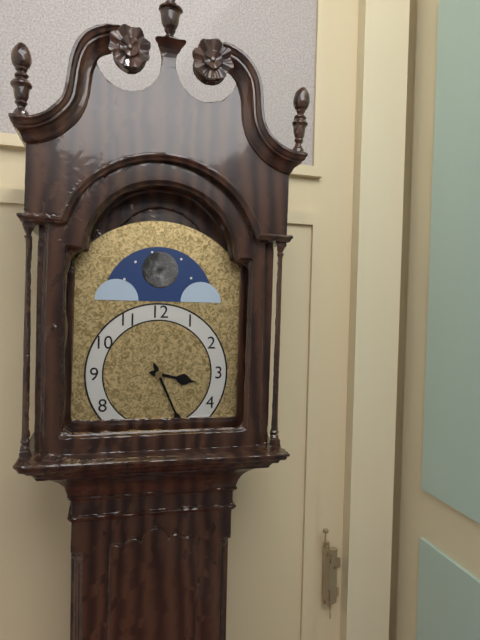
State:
3,26
